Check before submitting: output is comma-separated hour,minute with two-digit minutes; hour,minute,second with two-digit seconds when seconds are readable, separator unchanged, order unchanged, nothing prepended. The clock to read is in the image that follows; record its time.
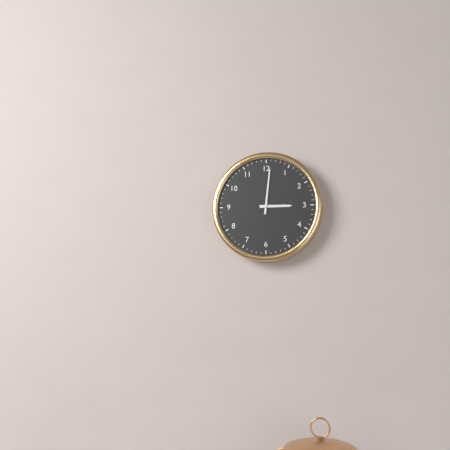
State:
3,01
